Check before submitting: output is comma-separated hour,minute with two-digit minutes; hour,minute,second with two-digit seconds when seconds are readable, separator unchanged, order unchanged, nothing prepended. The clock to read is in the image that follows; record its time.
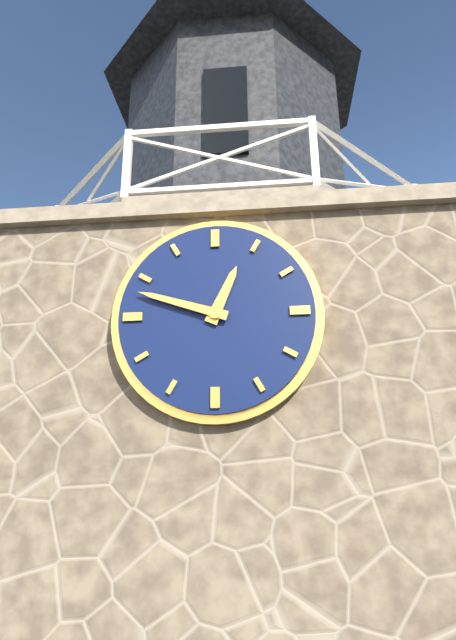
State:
12,48
